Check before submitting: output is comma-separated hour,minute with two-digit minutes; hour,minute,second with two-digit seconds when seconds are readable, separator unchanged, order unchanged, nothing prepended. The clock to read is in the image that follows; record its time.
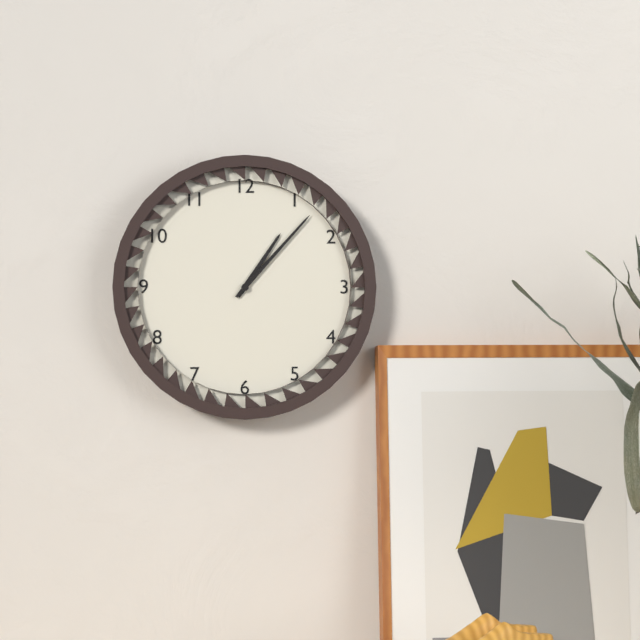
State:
1,07
